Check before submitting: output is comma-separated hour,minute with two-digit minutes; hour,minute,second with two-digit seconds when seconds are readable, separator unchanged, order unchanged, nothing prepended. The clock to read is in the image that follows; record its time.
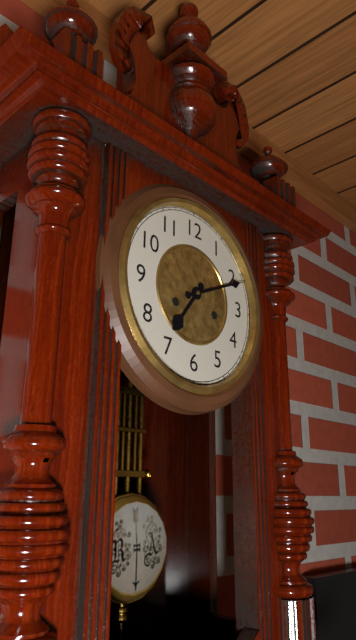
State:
7,11
